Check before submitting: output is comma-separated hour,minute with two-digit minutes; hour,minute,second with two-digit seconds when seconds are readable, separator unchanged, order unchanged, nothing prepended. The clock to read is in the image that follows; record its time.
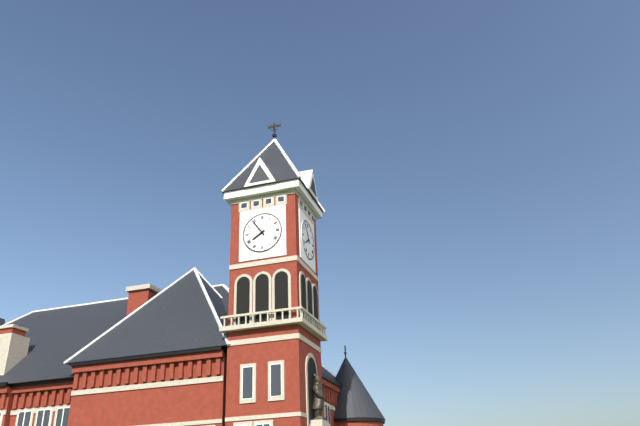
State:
7,54
